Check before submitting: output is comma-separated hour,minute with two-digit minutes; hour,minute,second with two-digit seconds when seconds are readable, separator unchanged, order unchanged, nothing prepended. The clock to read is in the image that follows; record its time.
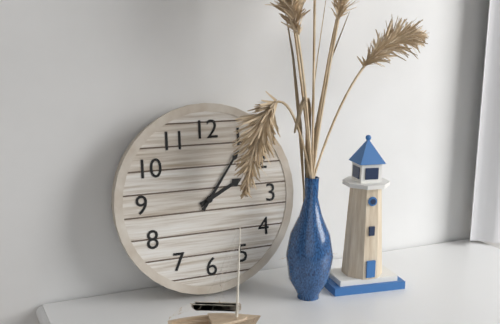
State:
2,06
